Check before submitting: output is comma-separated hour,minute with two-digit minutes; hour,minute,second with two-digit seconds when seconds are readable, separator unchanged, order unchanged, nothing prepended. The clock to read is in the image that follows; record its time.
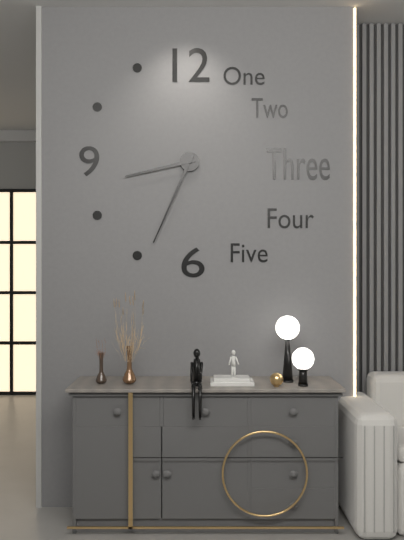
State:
8,34
